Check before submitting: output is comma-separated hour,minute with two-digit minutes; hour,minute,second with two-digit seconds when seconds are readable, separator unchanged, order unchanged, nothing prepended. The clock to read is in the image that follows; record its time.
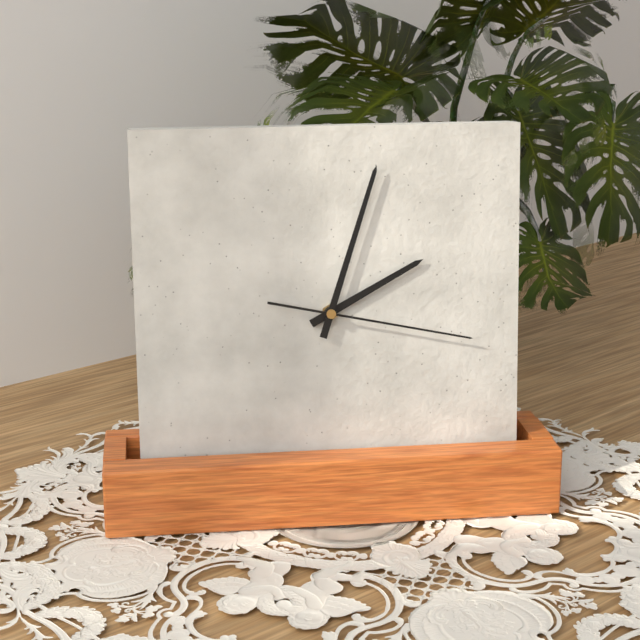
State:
2,03,17
